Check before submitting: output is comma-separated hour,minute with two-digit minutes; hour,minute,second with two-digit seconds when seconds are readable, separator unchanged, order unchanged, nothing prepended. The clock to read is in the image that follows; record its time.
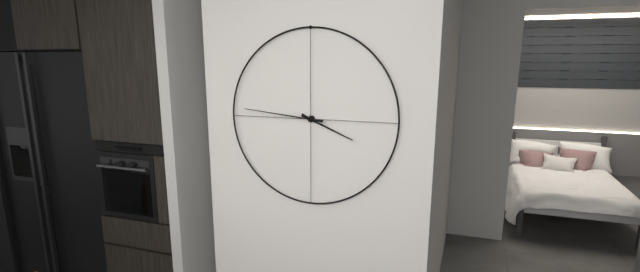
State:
3,46
